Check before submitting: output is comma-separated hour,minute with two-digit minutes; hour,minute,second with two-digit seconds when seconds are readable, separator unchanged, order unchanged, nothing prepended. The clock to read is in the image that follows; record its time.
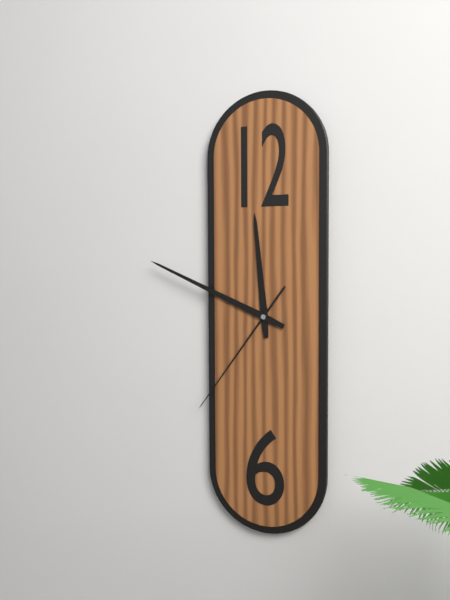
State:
11,49,36
